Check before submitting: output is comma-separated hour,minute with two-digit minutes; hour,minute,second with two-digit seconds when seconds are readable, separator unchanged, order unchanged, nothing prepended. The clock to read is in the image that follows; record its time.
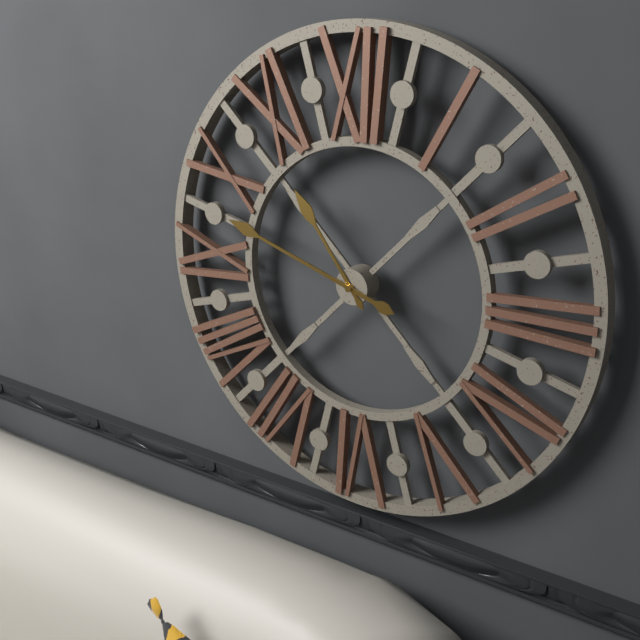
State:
10,48
